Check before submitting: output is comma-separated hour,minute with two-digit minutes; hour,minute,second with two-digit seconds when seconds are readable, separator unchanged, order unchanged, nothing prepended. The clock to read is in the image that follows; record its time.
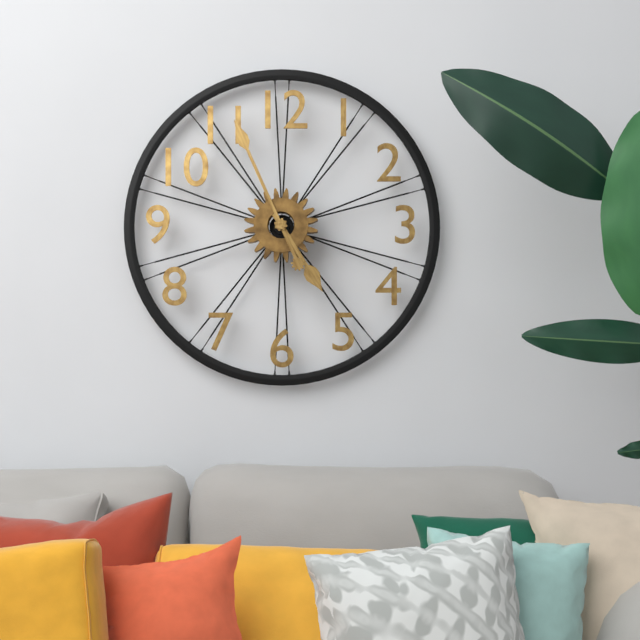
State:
4,56
